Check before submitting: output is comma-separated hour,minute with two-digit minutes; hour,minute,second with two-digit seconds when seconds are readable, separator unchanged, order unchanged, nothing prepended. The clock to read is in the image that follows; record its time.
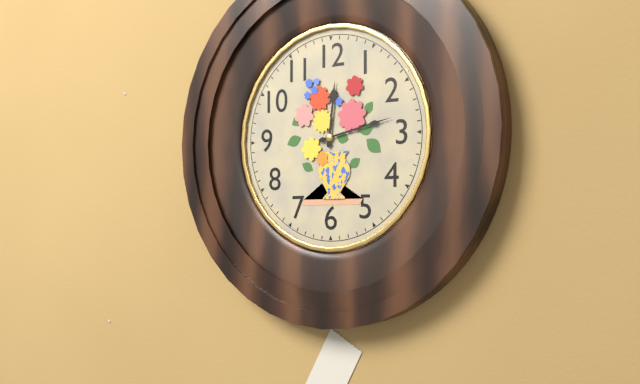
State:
12,13
